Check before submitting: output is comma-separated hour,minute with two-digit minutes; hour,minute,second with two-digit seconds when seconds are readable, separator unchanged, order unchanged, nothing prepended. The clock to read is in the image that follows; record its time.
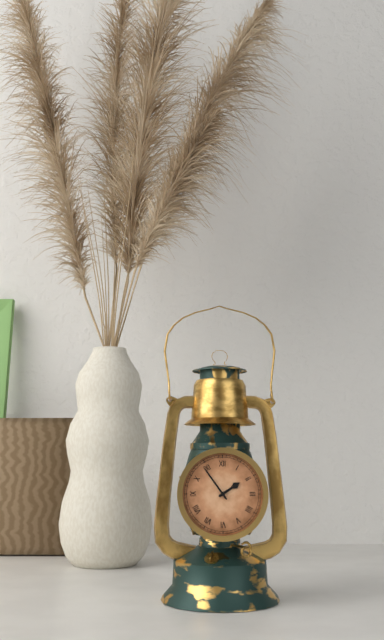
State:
1,54
